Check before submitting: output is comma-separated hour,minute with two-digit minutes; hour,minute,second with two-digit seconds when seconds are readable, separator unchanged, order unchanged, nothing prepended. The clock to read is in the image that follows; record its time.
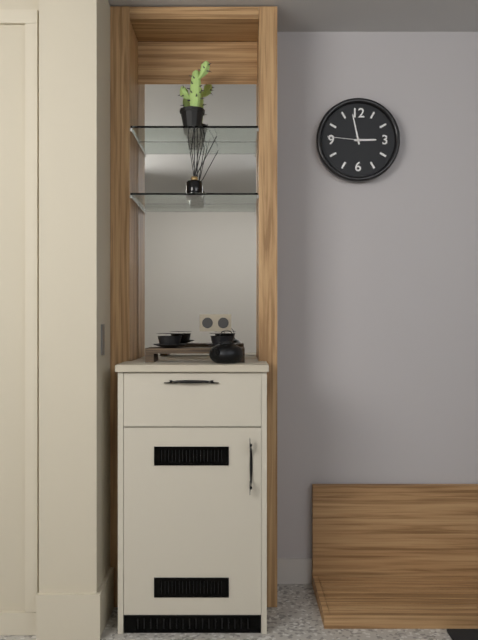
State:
2,58
